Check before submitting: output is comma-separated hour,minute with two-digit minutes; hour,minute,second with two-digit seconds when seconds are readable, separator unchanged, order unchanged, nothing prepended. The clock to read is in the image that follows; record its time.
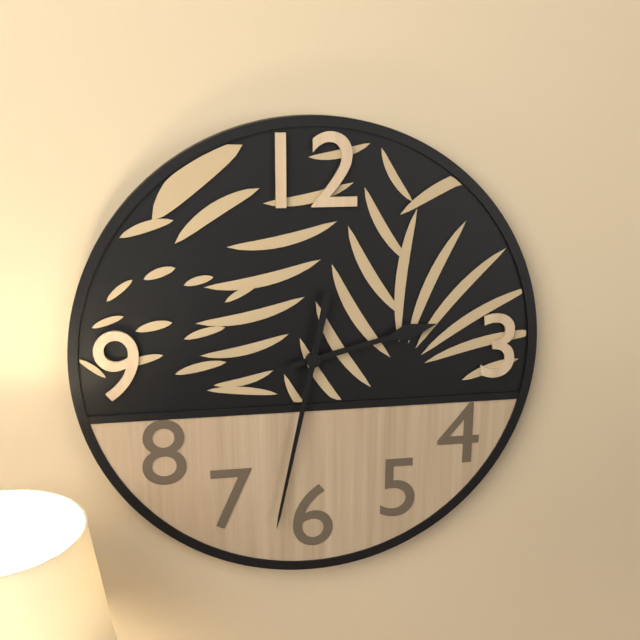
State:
2,32
